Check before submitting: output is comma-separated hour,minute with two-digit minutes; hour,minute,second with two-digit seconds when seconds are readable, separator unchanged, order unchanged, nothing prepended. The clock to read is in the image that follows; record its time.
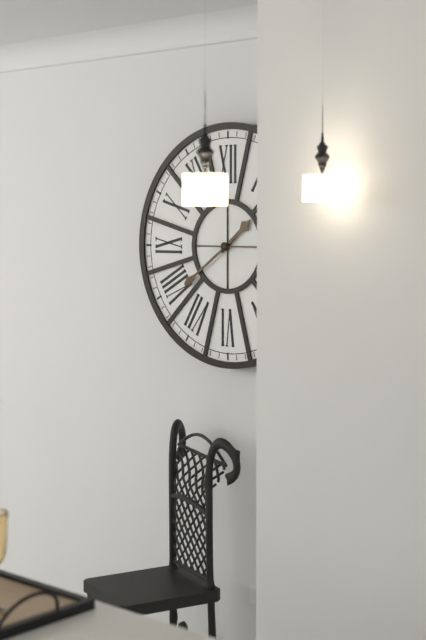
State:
1,39
